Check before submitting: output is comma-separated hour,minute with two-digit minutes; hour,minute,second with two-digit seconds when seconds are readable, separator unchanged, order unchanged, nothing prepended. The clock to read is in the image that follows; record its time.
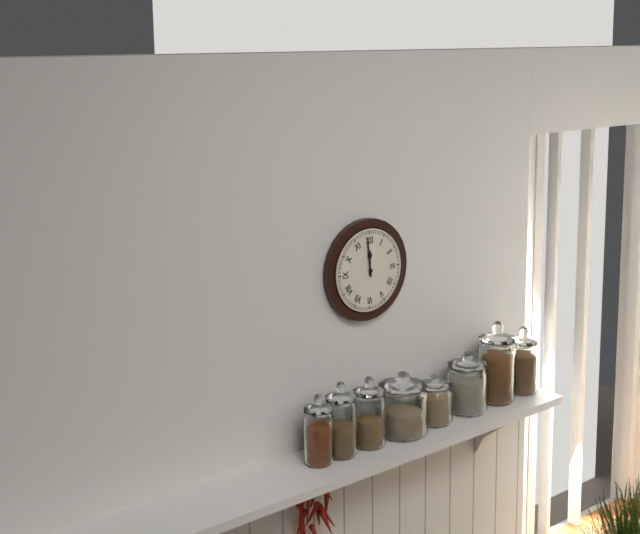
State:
11,59
